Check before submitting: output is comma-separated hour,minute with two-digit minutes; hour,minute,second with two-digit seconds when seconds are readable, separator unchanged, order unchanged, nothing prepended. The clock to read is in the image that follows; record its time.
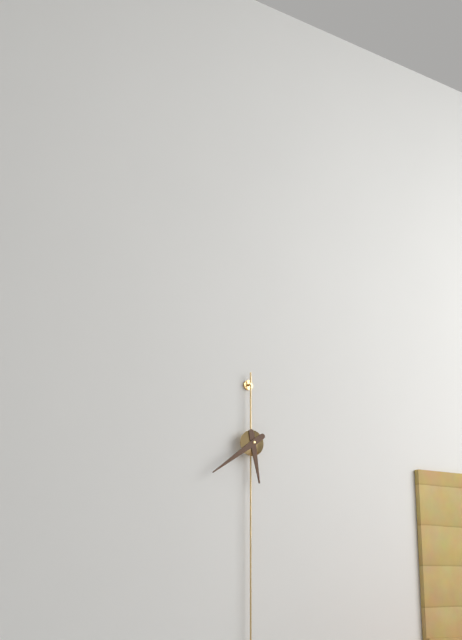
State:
5,39
